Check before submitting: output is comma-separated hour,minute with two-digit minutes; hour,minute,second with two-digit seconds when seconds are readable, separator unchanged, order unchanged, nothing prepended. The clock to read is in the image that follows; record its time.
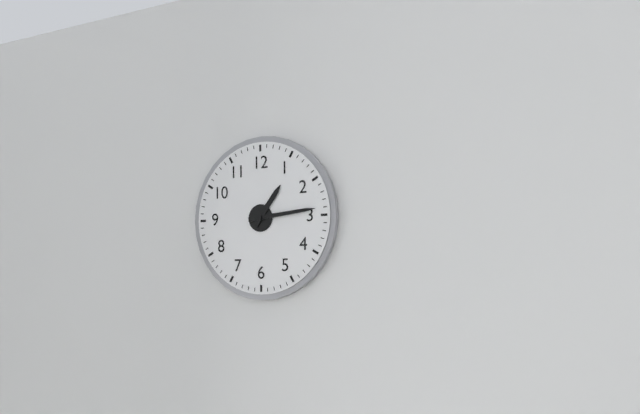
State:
1,14
